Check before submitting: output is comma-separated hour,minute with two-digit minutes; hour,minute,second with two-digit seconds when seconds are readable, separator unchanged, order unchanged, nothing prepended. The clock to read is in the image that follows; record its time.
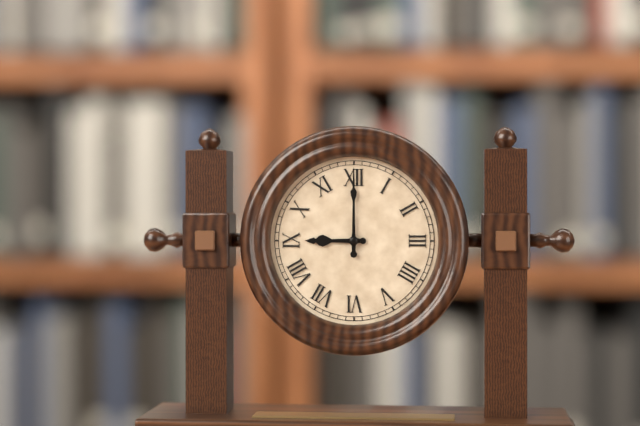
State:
9,00
